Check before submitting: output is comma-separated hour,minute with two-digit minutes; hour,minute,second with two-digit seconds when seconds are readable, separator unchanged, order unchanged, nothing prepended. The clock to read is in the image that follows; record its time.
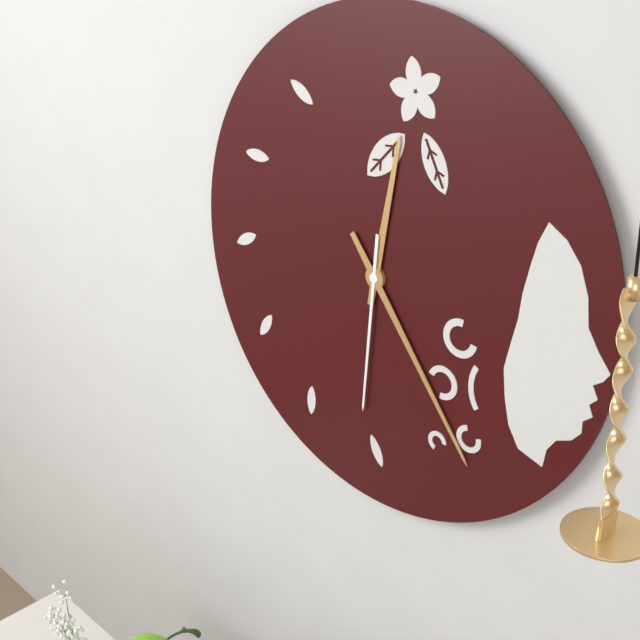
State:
12,24,31
